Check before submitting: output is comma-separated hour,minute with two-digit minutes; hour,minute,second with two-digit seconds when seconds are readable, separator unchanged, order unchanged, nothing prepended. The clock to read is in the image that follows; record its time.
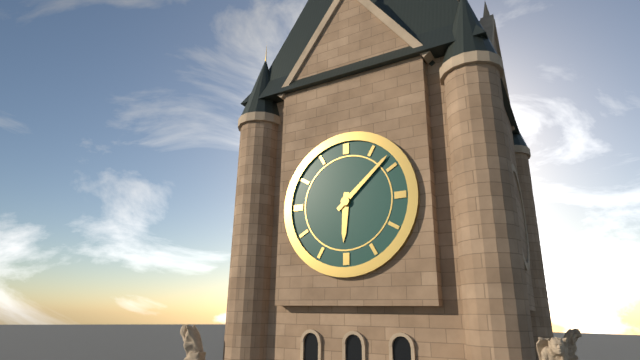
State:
6,08
